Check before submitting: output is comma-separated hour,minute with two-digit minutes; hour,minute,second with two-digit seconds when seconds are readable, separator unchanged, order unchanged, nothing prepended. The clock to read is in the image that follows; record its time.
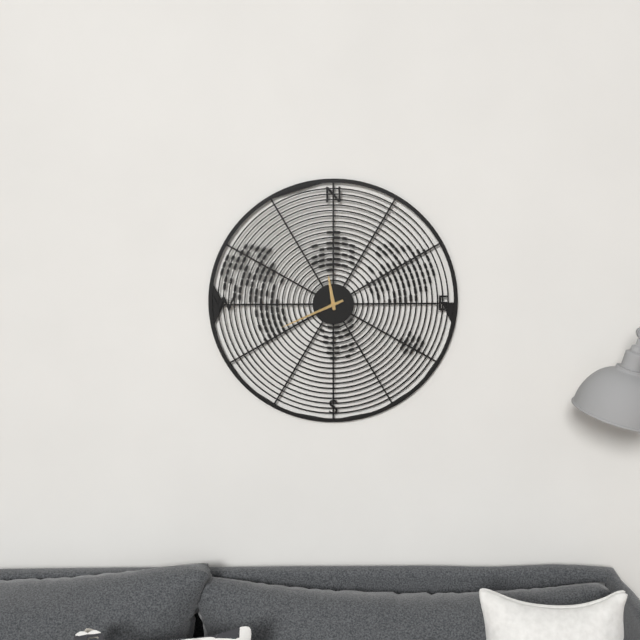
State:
11,41
